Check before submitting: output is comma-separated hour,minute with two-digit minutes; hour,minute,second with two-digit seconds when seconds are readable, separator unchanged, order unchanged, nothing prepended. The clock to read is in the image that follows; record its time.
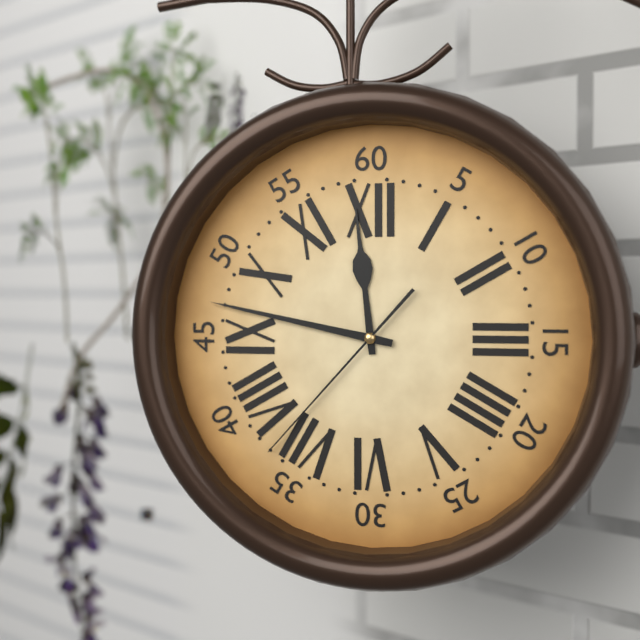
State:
11,47,37
